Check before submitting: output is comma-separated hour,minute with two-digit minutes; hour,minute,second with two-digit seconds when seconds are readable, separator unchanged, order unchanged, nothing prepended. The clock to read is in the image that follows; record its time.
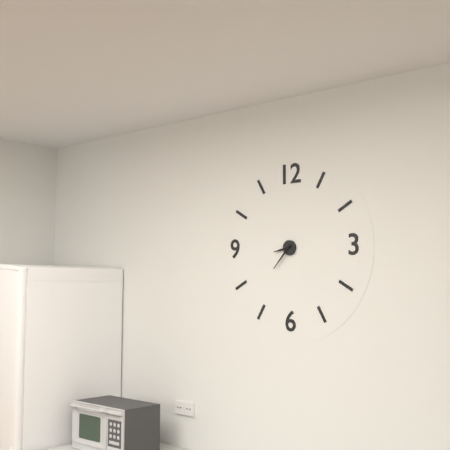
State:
8,37
